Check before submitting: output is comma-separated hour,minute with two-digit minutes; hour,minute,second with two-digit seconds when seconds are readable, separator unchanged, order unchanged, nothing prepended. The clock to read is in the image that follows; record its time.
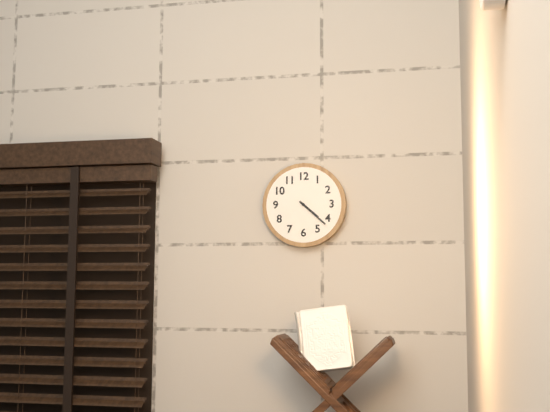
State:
4,22
